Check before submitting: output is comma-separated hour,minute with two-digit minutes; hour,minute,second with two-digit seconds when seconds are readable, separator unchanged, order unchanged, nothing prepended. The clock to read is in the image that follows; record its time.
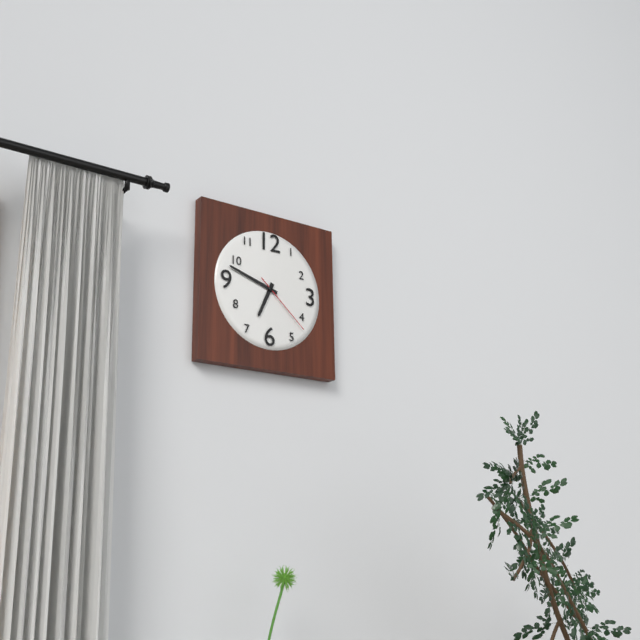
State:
6,48,22
